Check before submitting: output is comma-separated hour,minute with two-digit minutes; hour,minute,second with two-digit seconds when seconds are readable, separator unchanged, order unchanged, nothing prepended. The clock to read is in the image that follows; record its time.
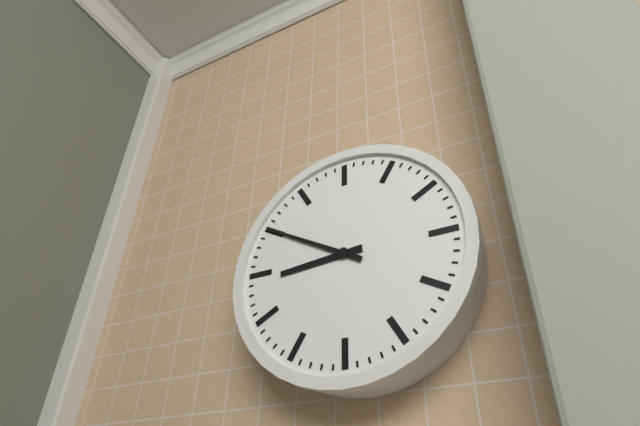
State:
8,50
